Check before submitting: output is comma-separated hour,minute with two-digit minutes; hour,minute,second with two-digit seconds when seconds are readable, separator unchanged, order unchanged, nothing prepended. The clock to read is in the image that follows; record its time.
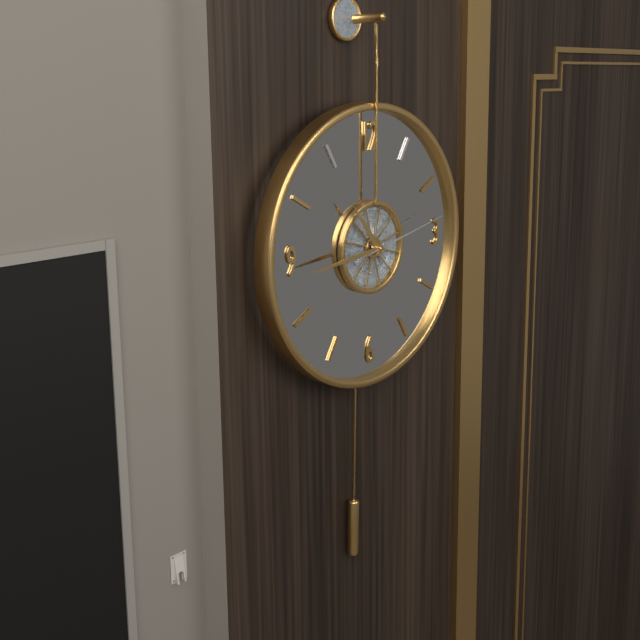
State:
10,44,13
